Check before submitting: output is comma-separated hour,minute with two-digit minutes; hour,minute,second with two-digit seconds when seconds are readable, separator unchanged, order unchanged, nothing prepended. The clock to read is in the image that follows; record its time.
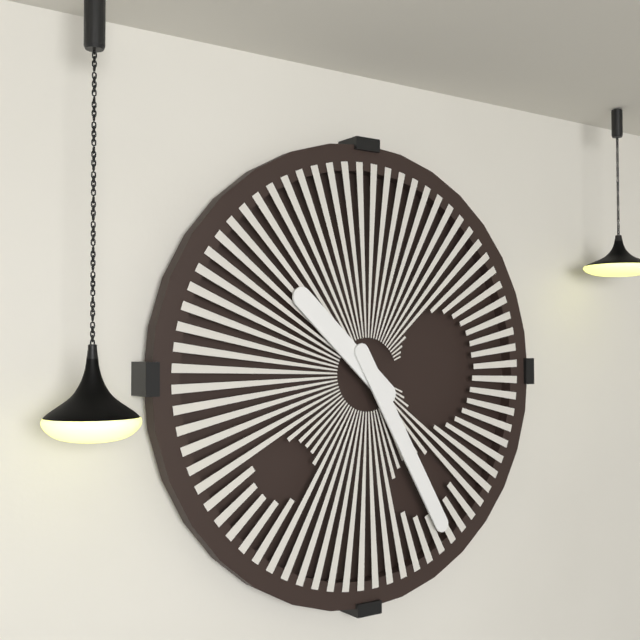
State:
10,25
